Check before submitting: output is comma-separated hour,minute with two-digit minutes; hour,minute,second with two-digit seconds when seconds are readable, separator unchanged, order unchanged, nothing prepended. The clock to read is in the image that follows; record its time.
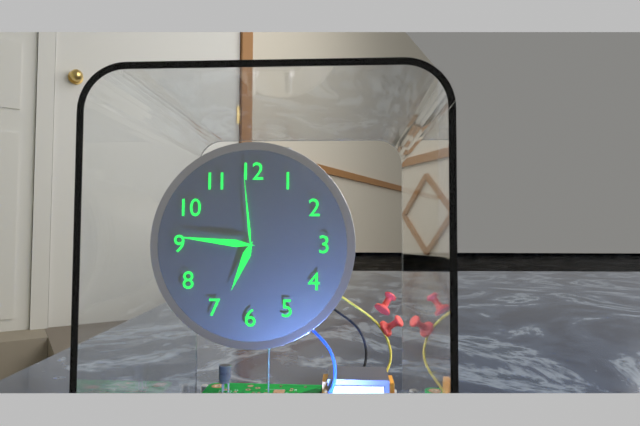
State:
6,46,59
